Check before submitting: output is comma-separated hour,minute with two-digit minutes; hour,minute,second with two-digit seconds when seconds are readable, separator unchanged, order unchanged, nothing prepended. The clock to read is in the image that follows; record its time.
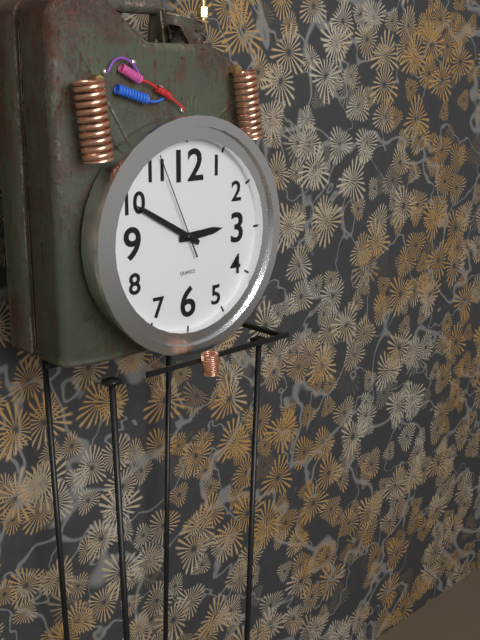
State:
2,50,56
